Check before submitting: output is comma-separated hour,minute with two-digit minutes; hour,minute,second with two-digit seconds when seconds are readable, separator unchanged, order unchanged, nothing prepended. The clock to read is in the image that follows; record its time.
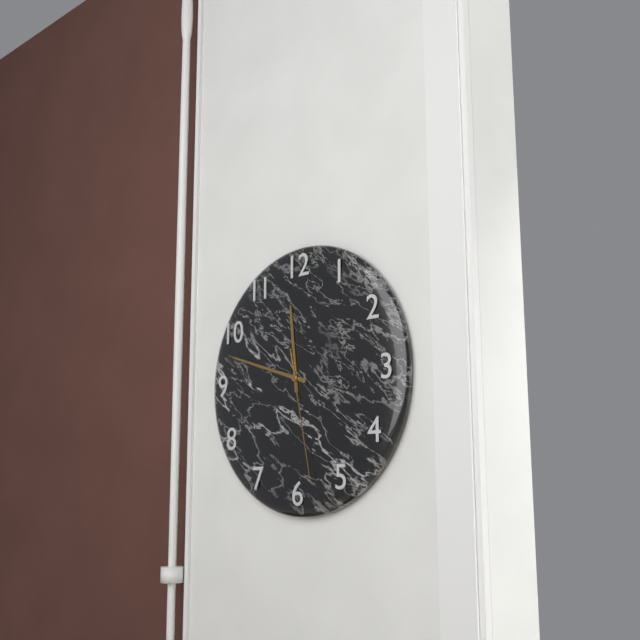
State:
11,48,28
